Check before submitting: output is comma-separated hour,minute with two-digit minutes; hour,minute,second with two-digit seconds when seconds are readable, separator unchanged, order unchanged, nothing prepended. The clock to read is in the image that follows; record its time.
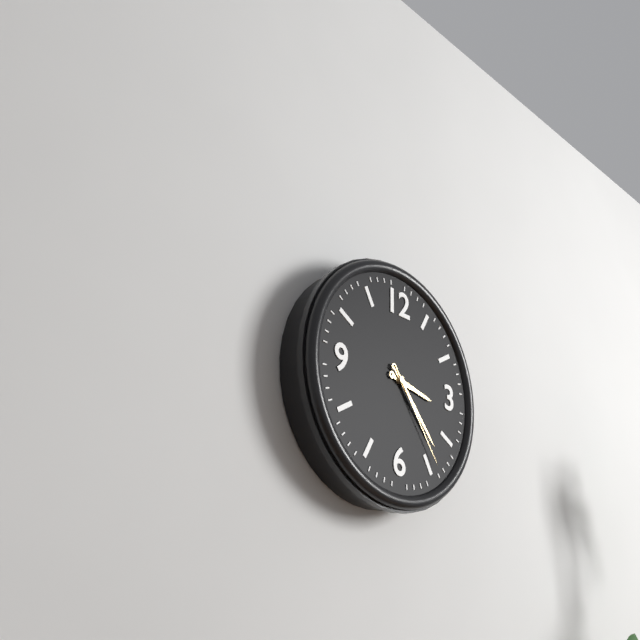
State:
3,23,24
